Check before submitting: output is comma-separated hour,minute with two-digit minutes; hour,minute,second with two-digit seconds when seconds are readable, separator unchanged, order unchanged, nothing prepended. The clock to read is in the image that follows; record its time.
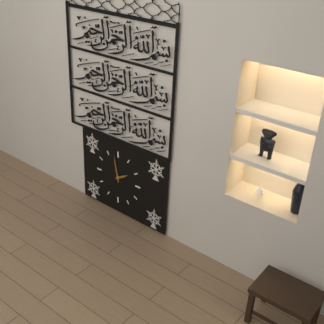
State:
1,58
